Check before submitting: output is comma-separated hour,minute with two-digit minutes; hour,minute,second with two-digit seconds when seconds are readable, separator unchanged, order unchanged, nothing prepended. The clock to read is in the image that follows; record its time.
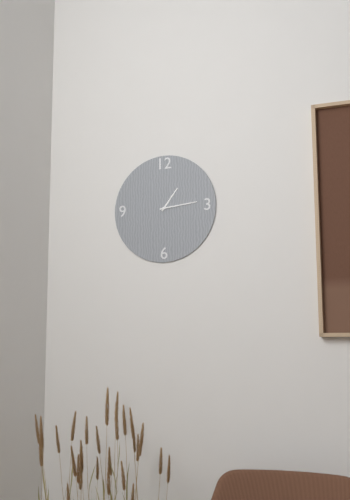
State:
1,14
